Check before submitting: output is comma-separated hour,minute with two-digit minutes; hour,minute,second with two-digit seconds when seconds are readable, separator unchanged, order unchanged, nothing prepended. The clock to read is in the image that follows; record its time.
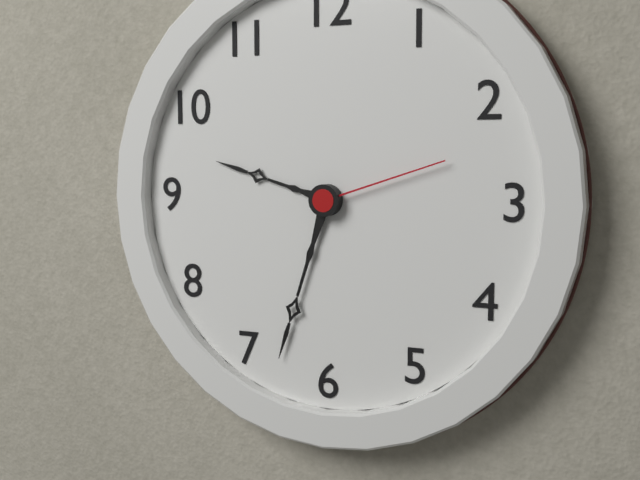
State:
9,33,12
